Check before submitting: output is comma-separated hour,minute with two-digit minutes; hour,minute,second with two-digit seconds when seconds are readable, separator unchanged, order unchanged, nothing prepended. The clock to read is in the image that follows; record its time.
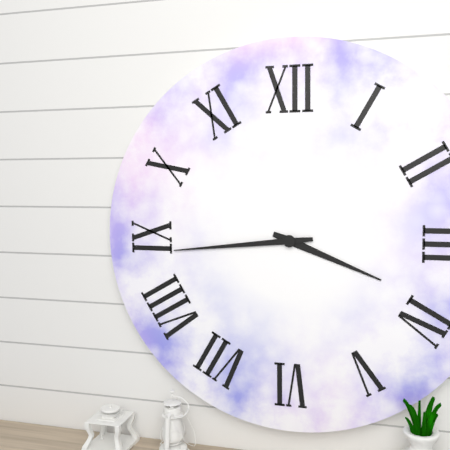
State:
3,44
